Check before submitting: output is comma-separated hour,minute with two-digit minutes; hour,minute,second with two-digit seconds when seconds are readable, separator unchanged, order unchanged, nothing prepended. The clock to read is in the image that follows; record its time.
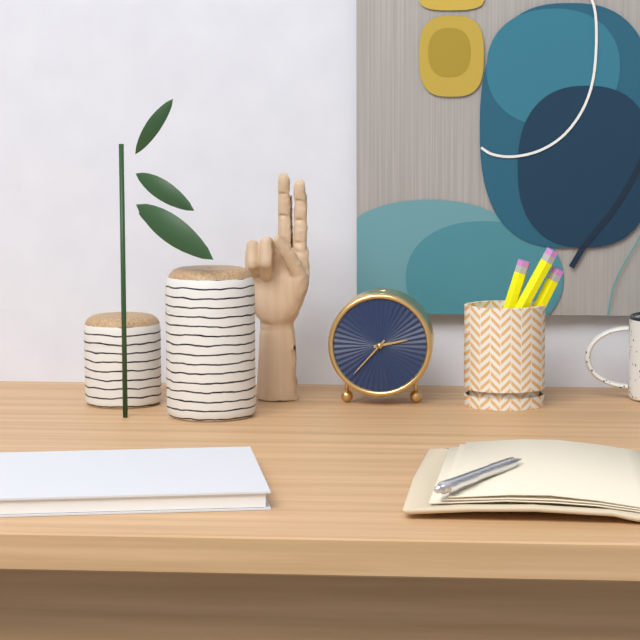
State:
2,37
